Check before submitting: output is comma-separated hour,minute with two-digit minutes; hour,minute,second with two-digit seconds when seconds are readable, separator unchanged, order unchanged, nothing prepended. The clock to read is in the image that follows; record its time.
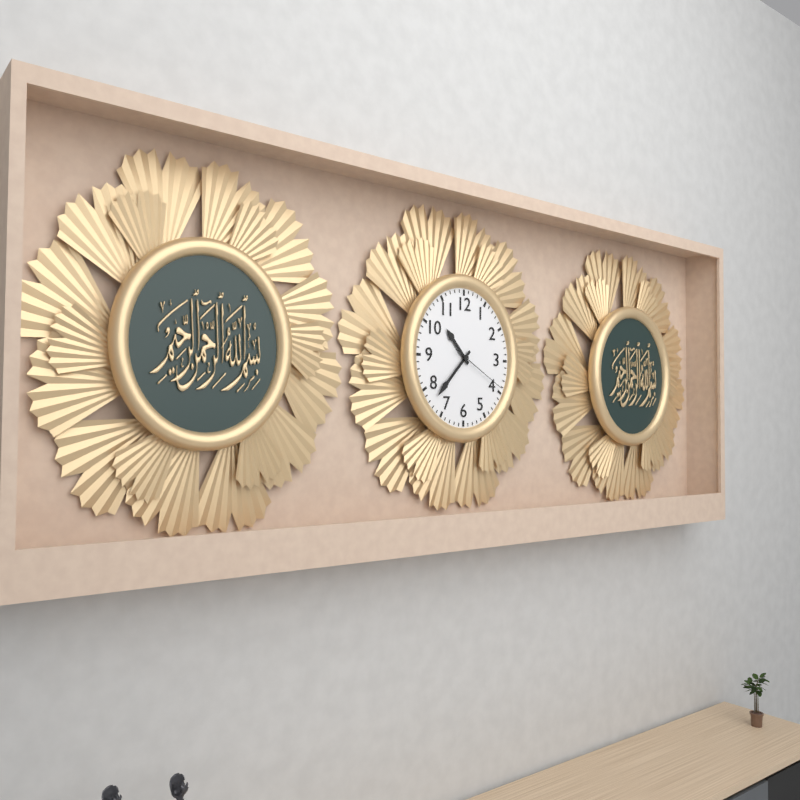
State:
10,37,20
